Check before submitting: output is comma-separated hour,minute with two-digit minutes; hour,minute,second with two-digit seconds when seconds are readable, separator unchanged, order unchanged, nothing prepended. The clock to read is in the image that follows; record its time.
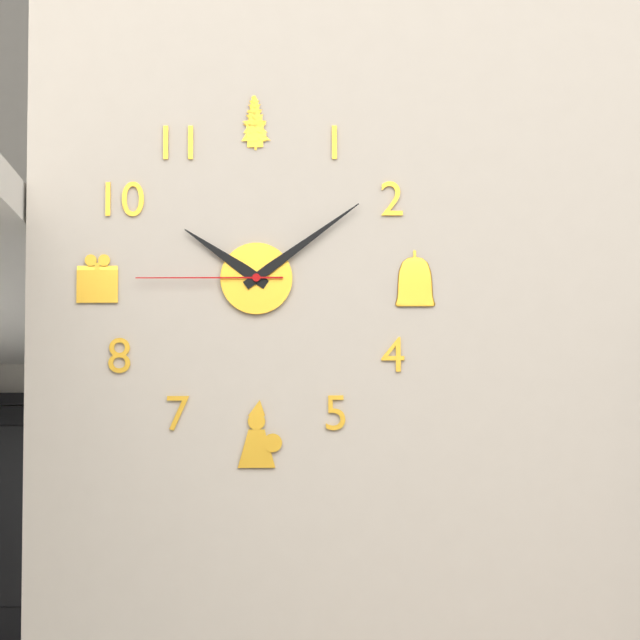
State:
10,09,45
